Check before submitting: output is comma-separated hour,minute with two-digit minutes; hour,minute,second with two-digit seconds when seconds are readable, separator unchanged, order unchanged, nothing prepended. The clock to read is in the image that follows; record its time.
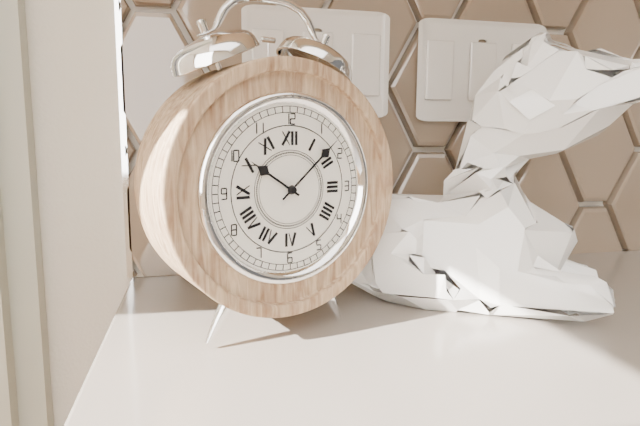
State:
10,08
